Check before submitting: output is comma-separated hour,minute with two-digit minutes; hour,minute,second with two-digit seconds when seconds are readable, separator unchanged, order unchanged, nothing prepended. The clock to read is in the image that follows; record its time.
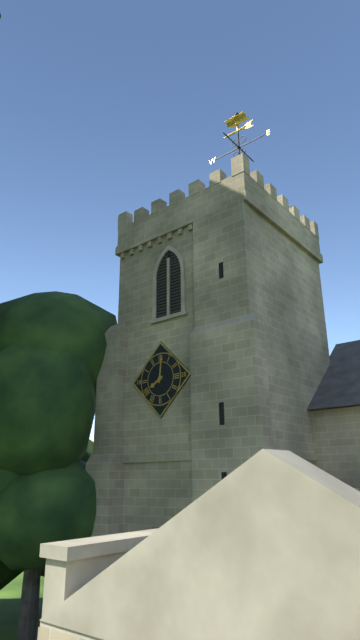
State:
8,01
